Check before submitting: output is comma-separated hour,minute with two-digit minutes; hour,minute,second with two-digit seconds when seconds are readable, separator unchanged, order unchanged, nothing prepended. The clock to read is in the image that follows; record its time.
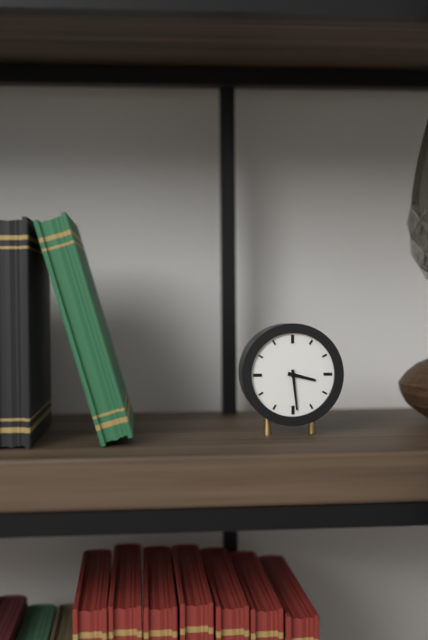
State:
3,29
